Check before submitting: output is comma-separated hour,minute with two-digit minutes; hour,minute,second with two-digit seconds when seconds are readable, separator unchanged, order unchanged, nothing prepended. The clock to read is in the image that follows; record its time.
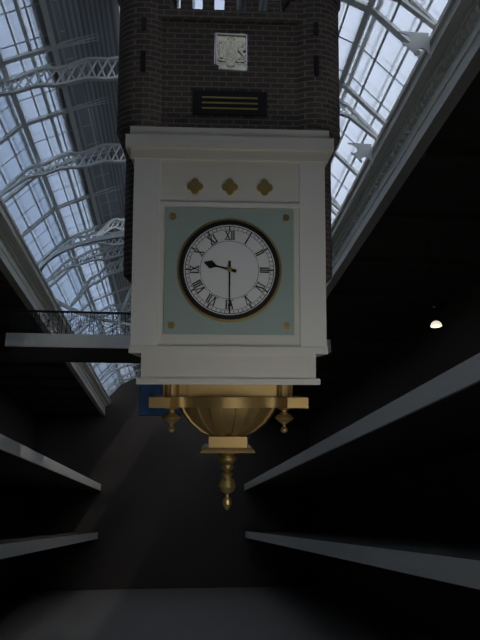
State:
9,30
